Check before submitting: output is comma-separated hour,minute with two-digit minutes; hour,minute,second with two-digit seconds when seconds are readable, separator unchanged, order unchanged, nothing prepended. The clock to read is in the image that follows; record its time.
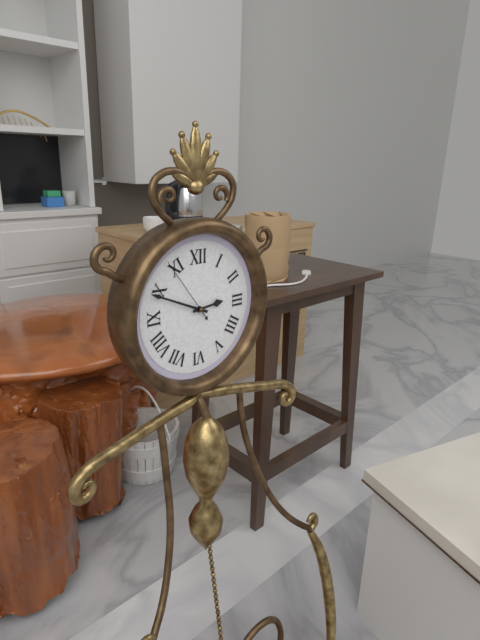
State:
2,49,54
